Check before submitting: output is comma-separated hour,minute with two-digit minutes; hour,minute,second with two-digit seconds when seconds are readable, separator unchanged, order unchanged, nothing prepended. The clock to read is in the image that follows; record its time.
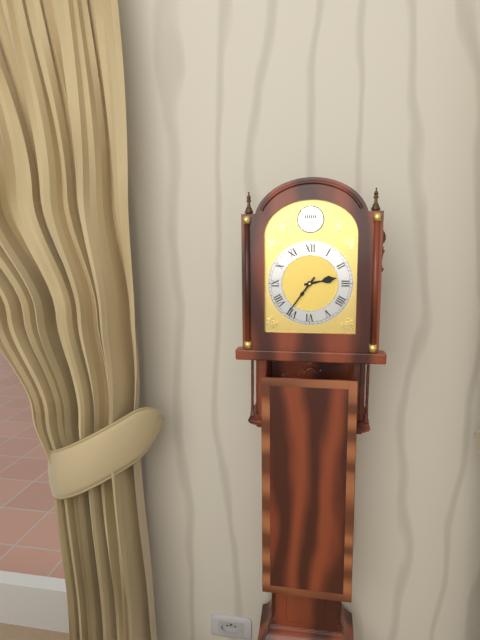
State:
2,36
